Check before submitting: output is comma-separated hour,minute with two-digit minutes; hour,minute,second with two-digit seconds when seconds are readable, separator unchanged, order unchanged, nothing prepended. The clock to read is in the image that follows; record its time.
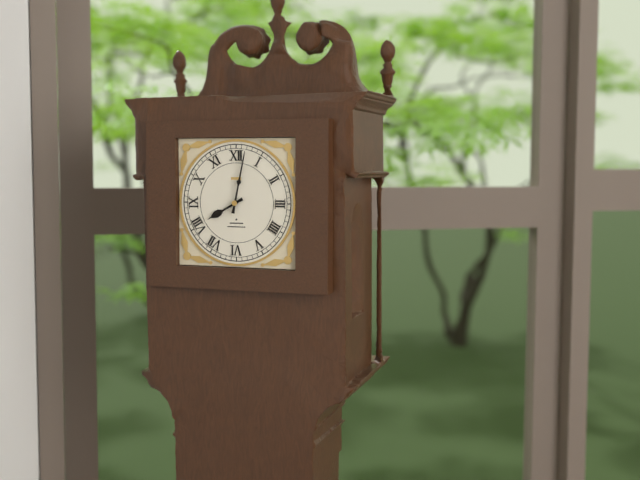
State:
8,02
